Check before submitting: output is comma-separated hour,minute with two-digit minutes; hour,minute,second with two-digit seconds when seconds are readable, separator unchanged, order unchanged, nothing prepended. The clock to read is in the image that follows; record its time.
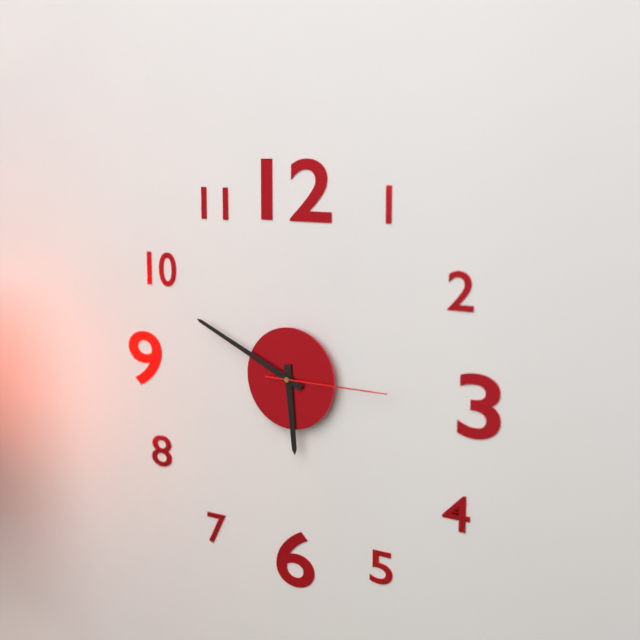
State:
5,49,15
